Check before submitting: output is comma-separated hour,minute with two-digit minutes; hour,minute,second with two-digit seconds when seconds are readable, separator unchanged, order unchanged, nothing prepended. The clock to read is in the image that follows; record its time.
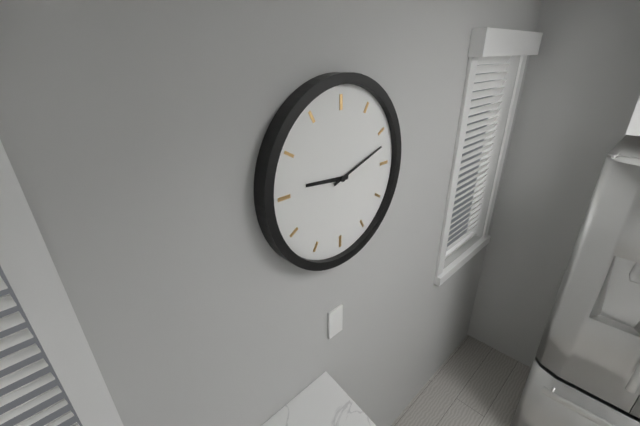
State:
9,12
